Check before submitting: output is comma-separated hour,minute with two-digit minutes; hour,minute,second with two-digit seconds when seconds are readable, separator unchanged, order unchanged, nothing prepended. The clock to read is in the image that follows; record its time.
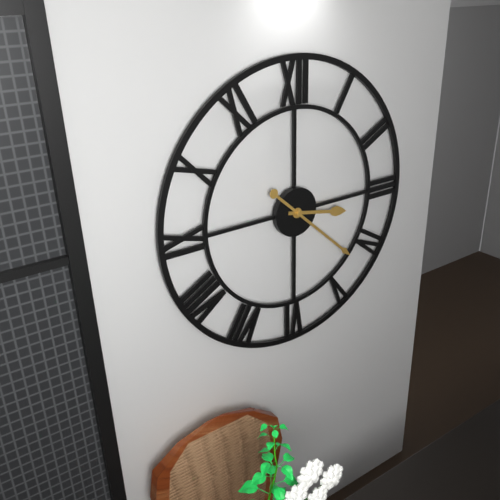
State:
3,22
